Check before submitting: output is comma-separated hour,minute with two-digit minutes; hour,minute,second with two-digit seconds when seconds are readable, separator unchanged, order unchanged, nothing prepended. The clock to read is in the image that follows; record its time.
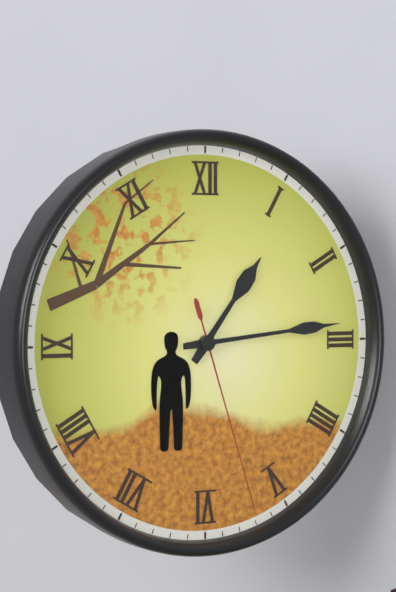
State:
1,14,27
